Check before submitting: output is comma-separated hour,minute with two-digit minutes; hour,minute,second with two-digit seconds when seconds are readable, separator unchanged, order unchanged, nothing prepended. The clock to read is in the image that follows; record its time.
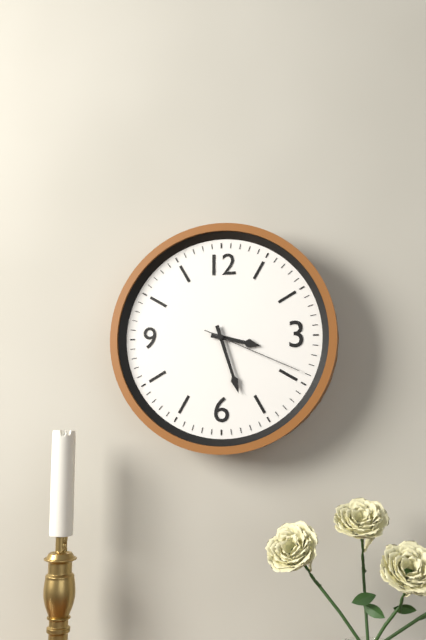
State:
3,27,19
